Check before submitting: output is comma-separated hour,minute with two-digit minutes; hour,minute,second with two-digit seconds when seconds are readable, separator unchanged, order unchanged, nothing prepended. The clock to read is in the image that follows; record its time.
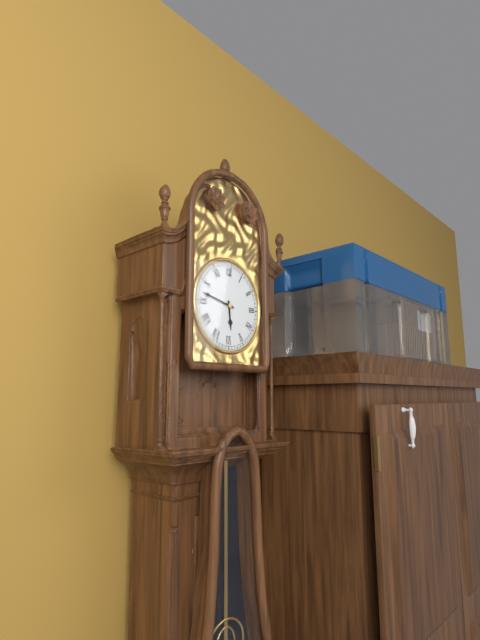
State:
5,47
